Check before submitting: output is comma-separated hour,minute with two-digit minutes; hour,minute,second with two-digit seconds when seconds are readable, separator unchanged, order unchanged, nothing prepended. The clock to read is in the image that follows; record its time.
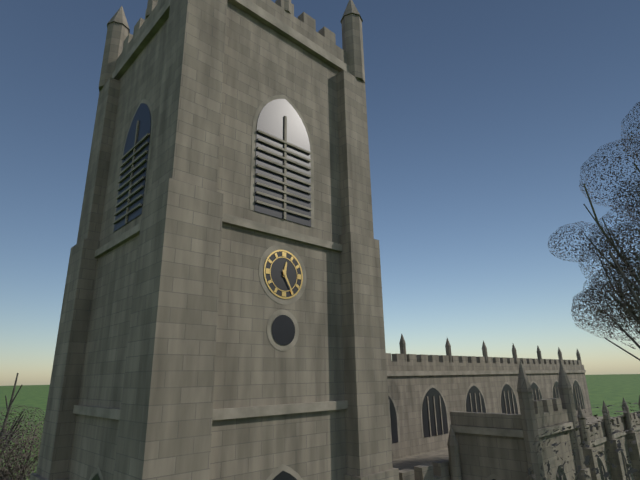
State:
12,25
